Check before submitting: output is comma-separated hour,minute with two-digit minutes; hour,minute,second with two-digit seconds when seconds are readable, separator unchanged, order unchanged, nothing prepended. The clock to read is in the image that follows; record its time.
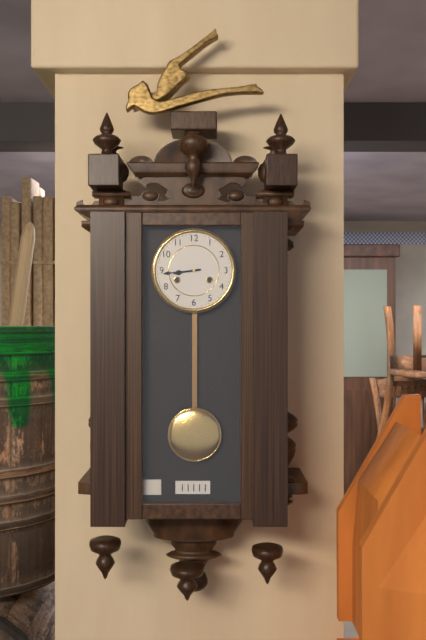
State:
8,44
